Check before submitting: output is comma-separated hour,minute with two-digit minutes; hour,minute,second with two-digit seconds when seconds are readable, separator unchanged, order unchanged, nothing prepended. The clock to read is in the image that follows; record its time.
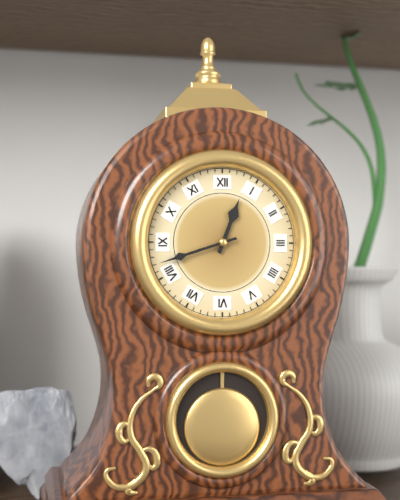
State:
12,42
